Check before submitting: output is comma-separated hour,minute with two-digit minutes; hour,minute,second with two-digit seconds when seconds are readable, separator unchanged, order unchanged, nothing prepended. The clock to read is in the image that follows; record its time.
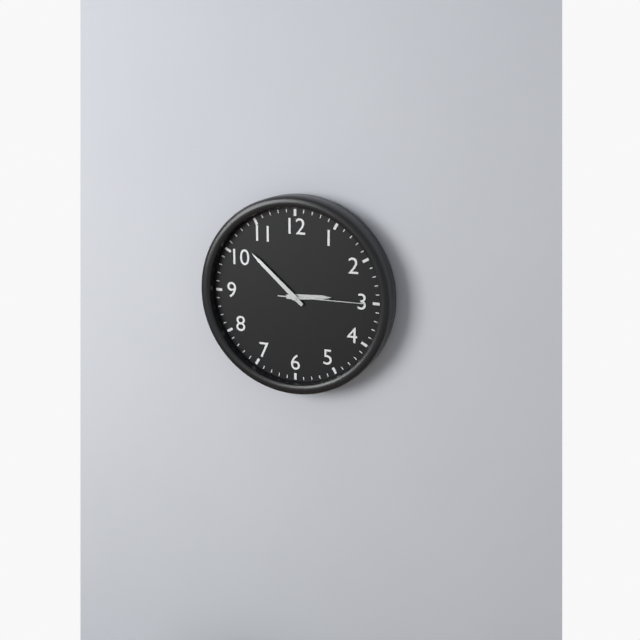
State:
2,52,15
